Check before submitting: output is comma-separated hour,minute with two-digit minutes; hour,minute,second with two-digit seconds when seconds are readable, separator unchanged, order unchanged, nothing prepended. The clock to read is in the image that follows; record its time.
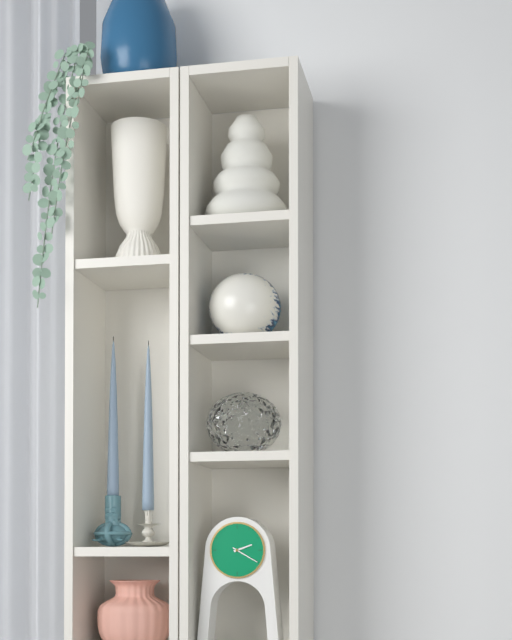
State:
2,20
